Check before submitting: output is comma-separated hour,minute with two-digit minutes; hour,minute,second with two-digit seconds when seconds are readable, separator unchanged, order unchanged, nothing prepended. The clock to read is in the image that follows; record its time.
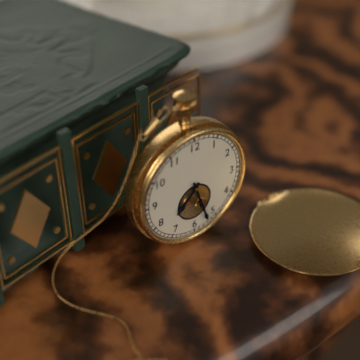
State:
7,27
